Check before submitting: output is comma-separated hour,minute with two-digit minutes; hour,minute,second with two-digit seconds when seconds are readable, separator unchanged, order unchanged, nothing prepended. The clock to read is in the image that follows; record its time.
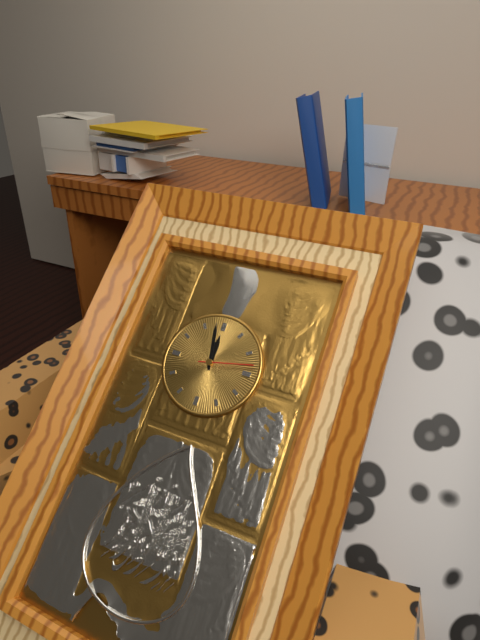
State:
11,58
